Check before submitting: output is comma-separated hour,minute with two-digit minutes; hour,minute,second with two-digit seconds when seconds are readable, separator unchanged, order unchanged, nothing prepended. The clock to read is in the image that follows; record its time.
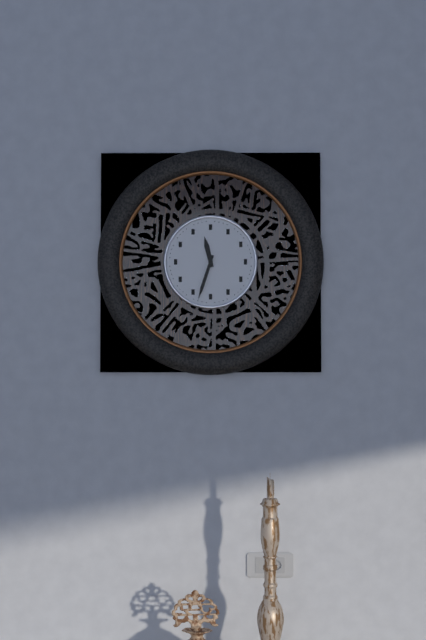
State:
11,33
